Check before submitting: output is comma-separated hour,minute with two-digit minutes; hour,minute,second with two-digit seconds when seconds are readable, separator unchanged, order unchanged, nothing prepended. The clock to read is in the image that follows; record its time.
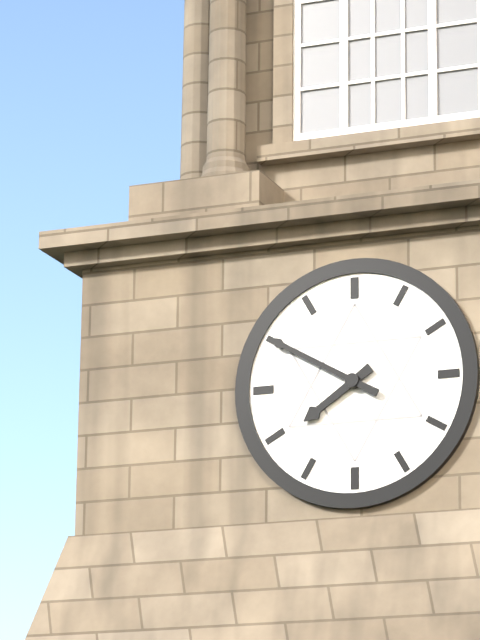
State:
7,50
